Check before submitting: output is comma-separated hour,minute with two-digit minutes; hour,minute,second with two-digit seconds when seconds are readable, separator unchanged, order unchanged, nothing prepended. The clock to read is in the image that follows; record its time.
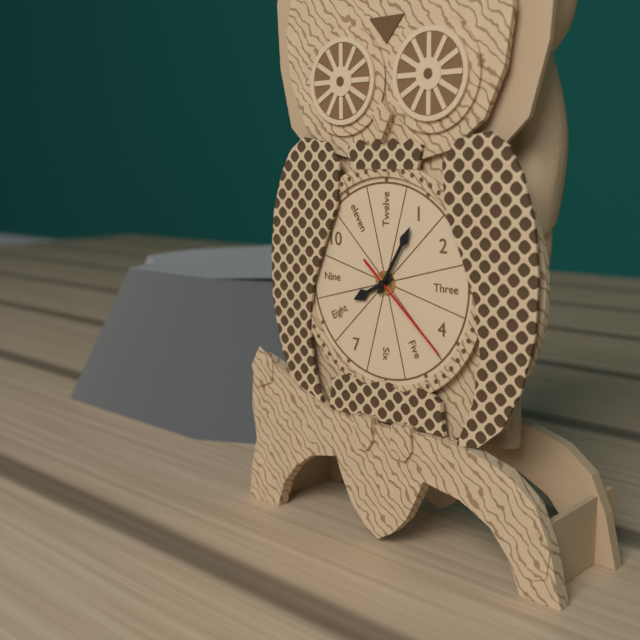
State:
8,05,22
